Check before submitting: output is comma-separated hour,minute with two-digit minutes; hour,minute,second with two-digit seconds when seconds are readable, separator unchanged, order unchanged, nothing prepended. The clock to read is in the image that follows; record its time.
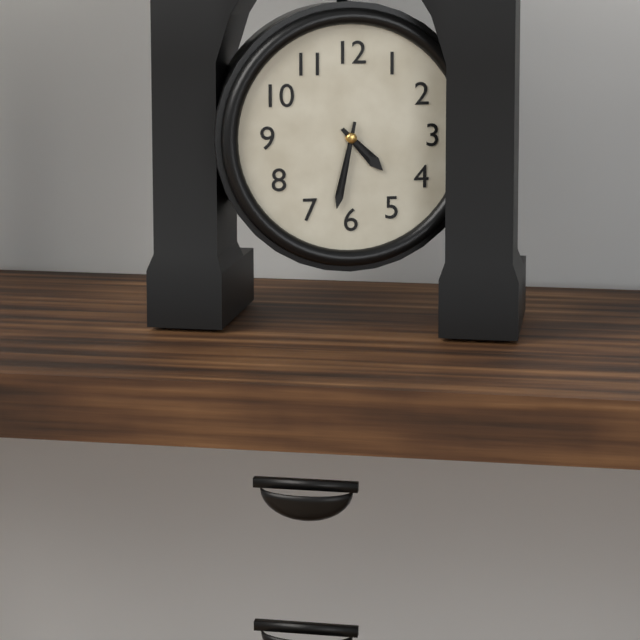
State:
4,32
